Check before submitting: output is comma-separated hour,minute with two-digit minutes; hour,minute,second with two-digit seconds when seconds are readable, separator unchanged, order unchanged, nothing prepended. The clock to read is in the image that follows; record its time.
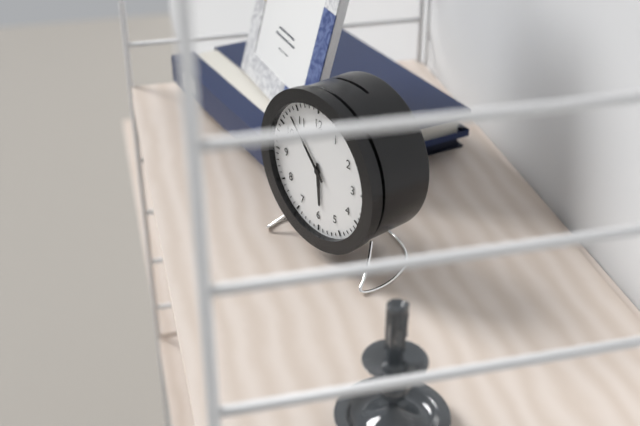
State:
5,53
